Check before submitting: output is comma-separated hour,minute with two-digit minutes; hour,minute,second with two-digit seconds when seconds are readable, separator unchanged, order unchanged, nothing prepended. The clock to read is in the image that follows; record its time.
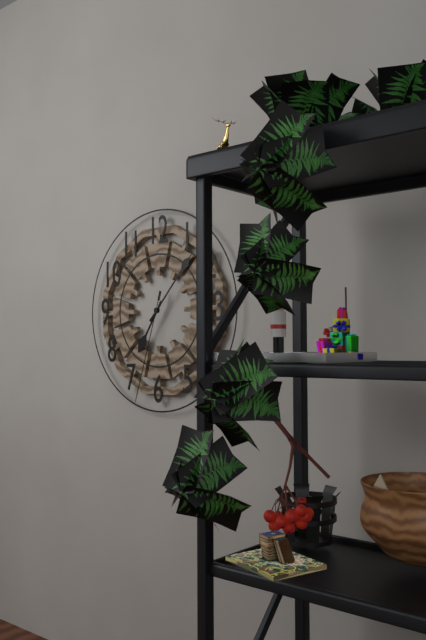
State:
7,07,33
